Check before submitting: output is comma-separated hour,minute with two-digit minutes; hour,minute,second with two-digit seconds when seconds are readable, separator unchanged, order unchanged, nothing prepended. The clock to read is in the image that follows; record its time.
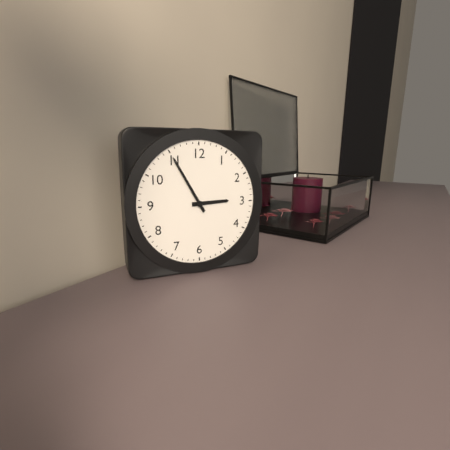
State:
2,55
